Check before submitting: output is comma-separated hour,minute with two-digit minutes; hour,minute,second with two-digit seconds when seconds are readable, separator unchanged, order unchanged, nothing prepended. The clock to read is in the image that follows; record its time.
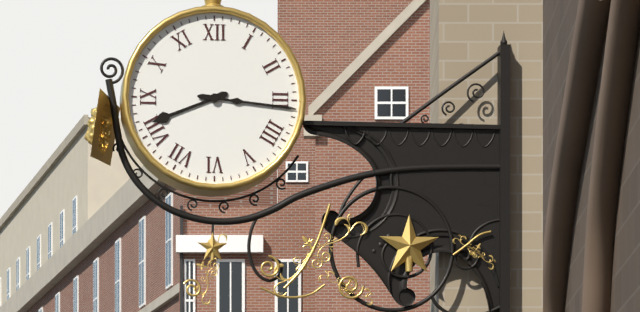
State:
8,16
